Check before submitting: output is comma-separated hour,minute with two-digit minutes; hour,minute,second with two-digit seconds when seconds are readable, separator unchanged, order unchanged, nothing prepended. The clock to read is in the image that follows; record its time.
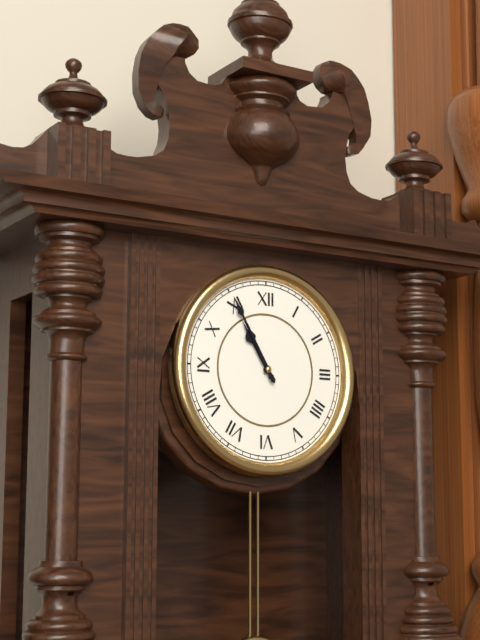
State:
10,55
